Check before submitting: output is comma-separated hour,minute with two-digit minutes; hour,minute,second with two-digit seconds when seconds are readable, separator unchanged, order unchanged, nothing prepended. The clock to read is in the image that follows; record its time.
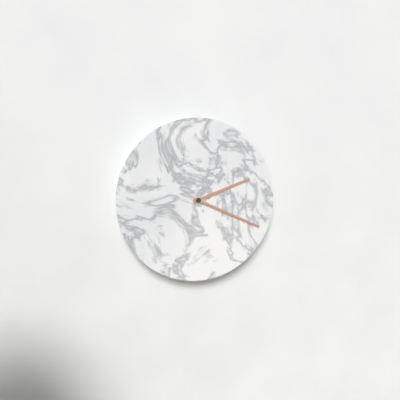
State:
2,19
